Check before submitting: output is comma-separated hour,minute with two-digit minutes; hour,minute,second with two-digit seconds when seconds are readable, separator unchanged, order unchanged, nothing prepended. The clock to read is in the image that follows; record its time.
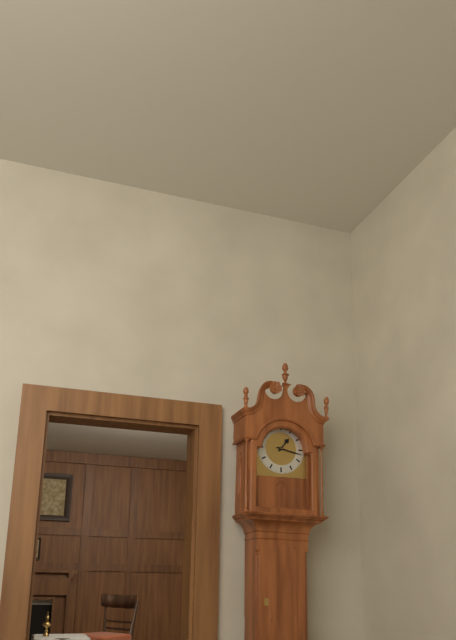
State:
1,17
